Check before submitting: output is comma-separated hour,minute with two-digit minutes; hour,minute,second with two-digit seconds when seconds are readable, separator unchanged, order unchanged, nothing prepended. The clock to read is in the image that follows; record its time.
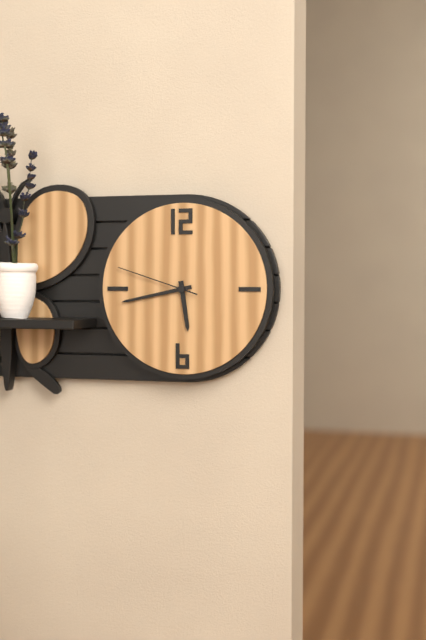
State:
5,43,48
